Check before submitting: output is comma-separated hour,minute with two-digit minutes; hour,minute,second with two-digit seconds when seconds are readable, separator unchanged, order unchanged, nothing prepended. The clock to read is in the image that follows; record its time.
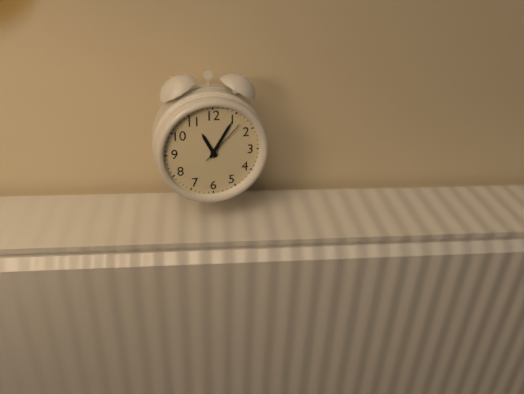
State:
11,05
